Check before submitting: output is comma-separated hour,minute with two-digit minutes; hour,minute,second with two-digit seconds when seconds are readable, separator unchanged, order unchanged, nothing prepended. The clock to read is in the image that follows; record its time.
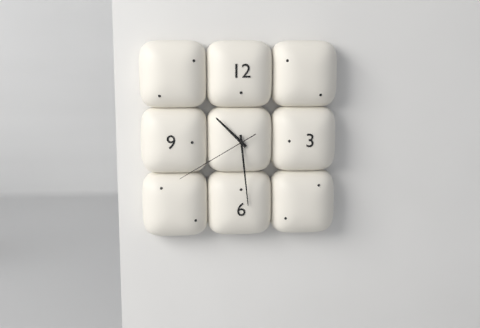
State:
10,29,40
